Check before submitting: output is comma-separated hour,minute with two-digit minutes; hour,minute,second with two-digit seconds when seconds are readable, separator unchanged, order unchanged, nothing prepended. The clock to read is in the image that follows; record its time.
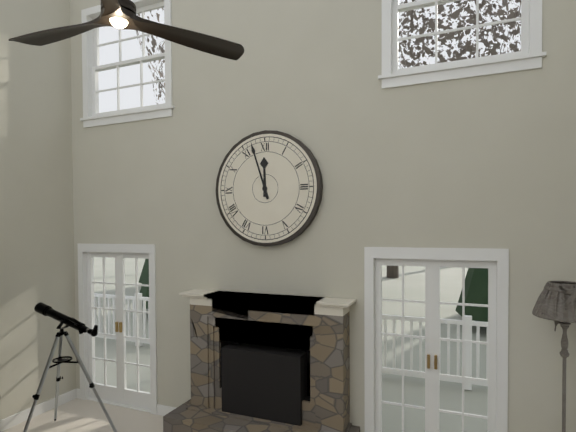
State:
11,57
